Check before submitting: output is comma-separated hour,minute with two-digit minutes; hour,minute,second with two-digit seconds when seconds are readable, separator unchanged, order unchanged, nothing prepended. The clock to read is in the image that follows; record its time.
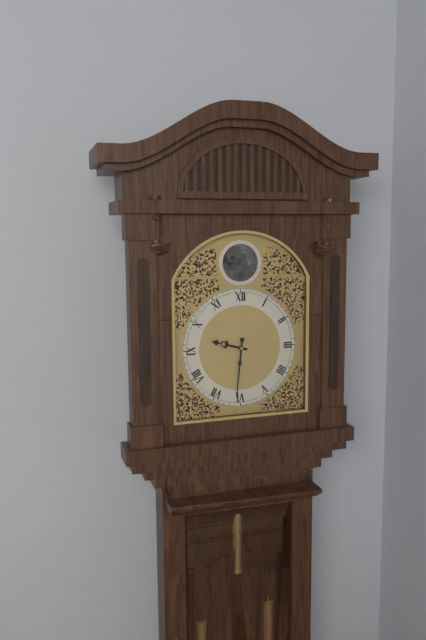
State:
9,31
